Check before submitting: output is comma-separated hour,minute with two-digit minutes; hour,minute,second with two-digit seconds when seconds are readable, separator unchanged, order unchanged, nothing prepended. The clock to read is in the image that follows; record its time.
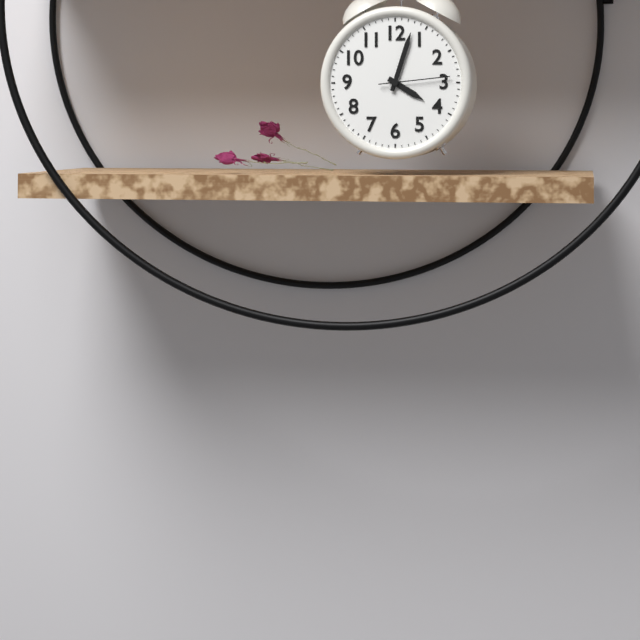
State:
4,03,14
